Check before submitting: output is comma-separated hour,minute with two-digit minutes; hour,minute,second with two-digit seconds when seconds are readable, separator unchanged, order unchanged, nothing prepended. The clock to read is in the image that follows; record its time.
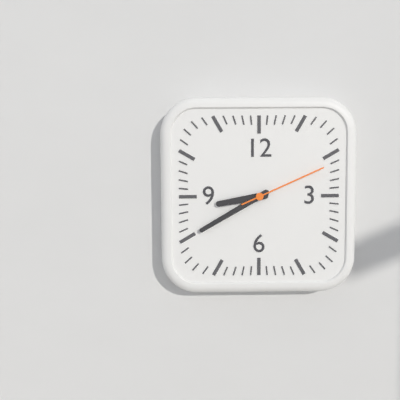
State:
8,40,11
